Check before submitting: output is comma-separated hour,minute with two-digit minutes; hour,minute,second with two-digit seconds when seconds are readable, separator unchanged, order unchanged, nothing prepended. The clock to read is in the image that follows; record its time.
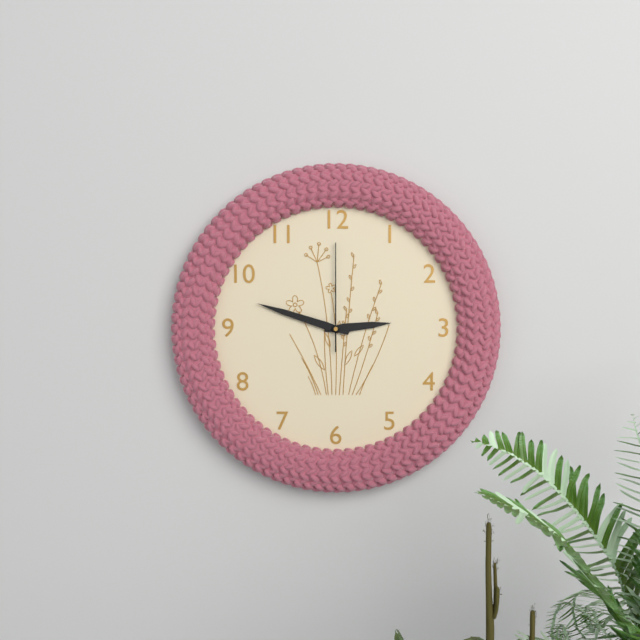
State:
2,48,00
